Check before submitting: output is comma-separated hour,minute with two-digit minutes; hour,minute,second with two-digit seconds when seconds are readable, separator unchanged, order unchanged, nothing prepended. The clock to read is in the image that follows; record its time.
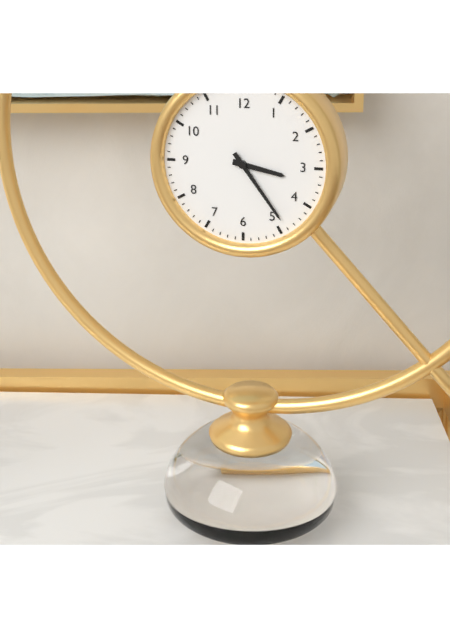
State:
3,24
